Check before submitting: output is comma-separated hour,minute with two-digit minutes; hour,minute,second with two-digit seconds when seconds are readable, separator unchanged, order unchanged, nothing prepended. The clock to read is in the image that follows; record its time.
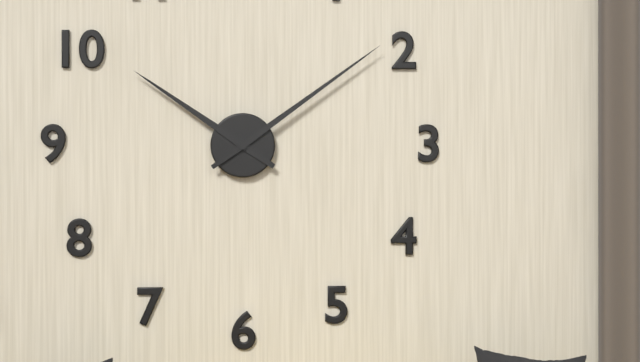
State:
10,09
